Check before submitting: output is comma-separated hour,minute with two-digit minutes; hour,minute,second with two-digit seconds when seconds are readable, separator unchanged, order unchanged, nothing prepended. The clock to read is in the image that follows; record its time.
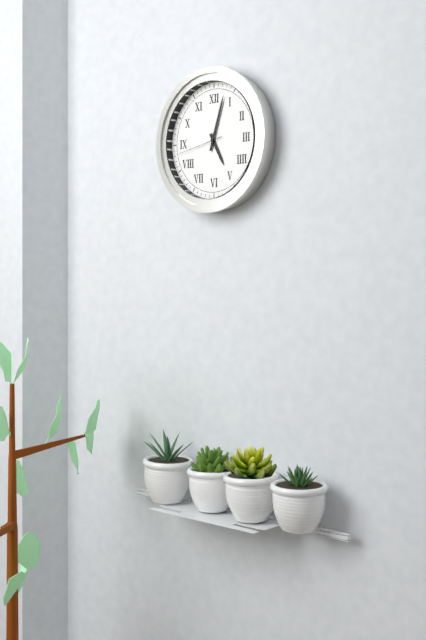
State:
5,03
